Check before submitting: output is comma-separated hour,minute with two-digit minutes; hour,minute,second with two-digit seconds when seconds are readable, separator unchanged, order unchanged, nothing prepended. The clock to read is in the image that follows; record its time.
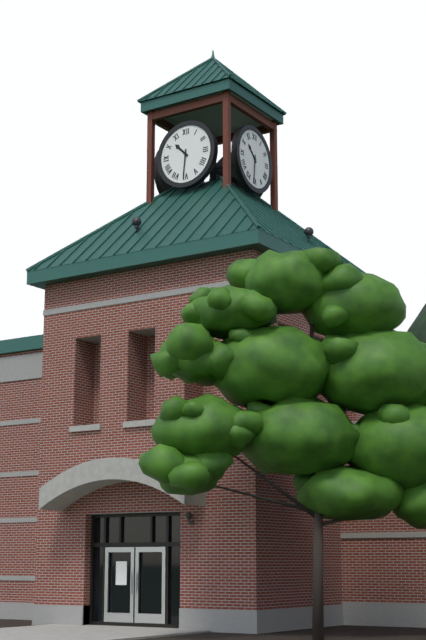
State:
10,31
